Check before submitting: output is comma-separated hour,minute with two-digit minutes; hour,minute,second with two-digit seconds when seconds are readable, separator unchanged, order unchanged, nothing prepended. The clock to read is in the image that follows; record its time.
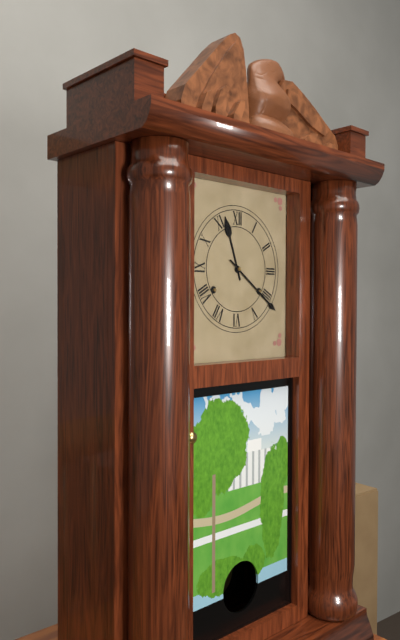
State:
11,21
